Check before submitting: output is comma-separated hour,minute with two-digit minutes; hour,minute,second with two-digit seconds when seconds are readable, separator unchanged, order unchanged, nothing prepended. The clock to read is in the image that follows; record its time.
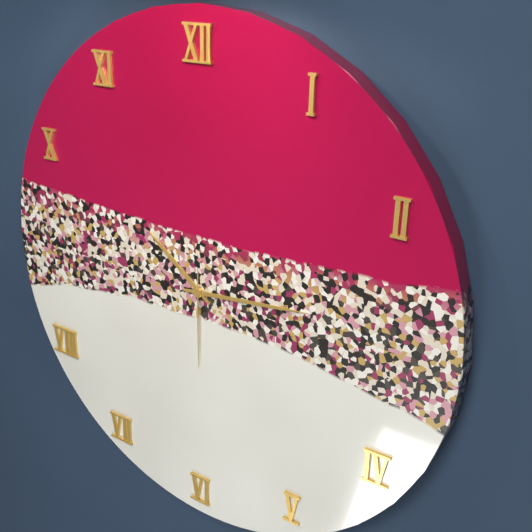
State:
10,14,30
